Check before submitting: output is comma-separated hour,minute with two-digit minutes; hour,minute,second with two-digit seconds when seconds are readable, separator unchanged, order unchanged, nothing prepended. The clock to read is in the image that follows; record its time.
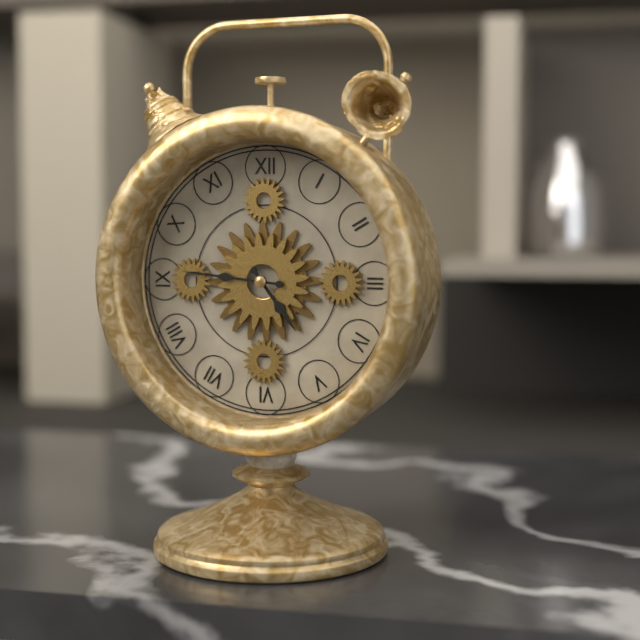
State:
4,46
